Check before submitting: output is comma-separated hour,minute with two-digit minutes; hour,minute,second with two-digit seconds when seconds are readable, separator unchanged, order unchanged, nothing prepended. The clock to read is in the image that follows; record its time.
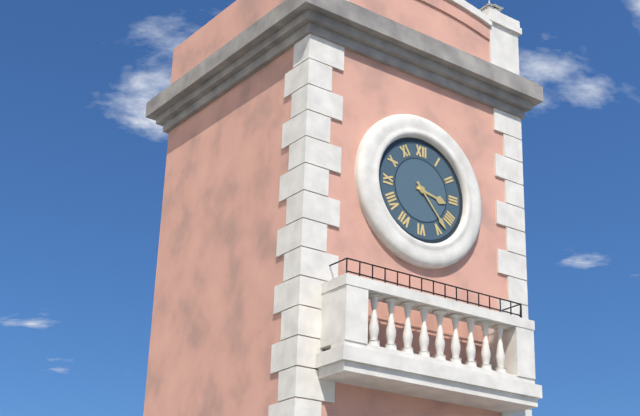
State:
3,23
